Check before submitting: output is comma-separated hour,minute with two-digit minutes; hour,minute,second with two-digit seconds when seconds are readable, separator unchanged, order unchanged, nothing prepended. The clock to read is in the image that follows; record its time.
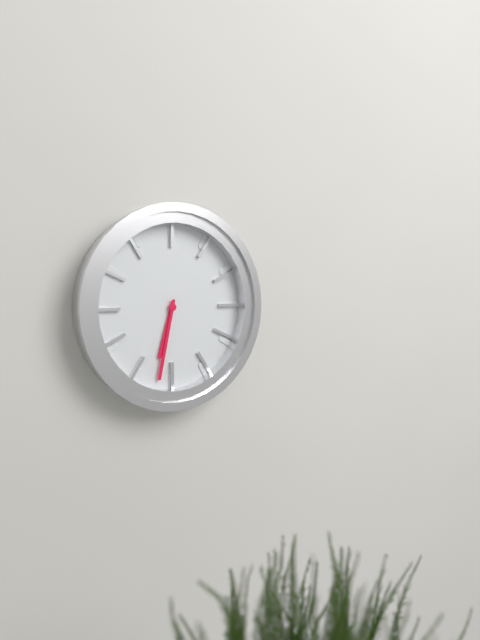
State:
6,32
